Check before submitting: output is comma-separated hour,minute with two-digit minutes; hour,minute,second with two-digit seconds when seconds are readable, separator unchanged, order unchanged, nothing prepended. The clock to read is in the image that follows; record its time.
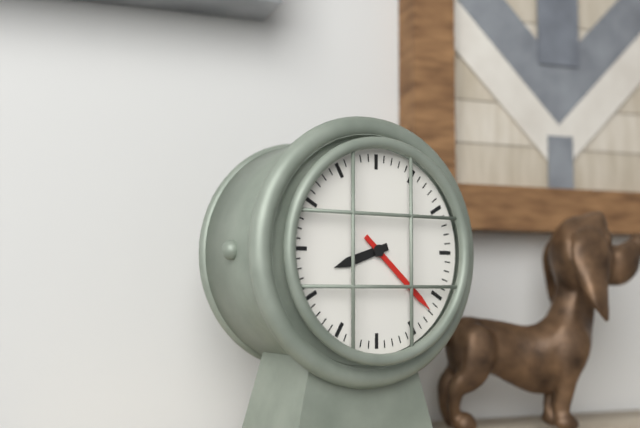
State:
8,22
